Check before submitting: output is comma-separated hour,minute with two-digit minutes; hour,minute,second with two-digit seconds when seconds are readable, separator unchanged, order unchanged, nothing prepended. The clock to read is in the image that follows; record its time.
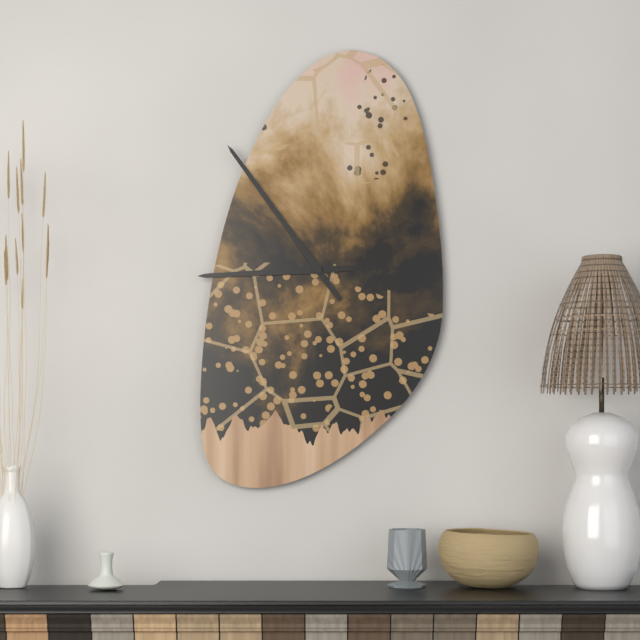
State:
8,54
